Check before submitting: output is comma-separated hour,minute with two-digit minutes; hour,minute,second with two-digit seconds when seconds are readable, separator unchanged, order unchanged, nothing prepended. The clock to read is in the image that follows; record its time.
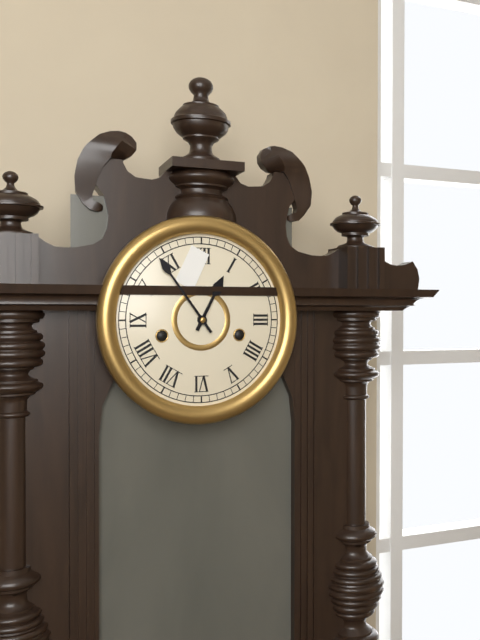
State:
12,54
